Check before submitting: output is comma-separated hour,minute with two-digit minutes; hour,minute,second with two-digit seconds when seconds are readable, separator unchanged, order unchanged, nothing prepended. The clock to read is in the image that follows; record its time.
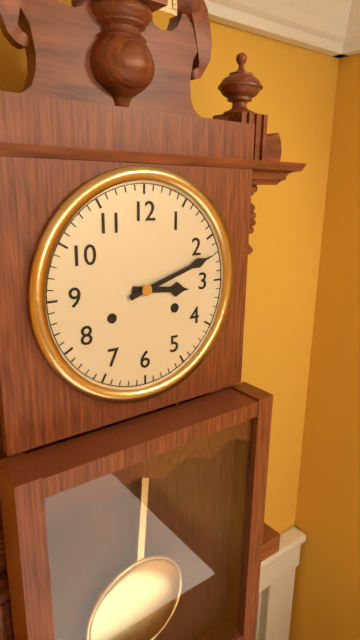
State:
3,12
